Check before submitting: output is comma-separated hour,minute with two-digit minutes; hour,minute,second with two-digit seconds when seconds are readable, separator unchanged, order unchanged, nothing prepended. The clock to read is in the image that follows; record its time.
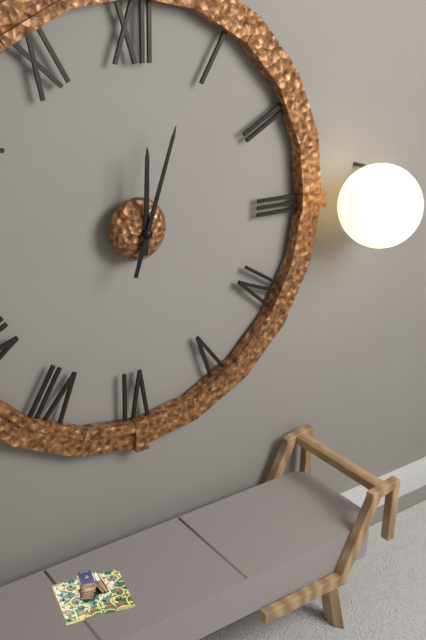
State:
12,03
